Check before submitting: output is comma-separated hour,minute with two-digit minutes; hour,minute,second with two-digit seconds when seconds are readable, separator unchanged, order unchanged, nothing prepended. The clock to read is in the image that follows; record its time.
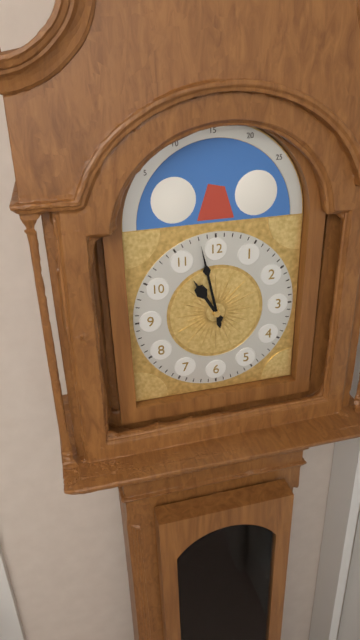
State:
10,58
